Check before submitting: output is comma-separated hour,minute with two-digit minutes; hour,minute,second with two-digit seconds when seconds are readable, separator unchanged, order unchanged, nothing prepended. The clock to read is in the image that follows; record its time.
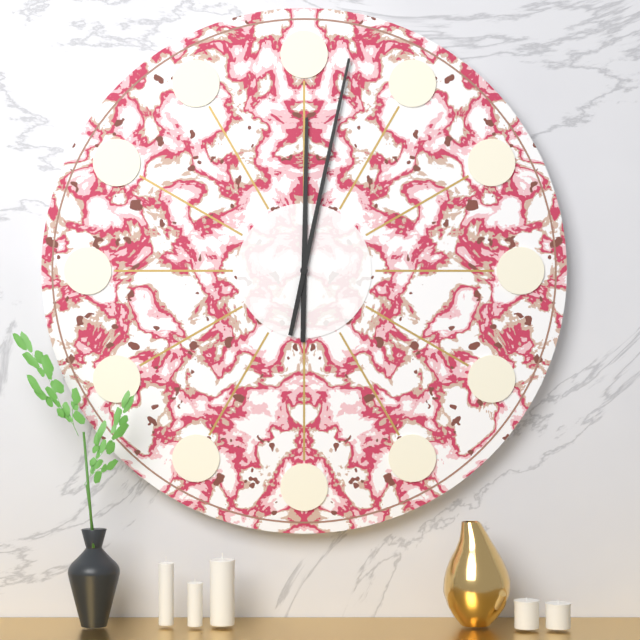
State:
12,02
